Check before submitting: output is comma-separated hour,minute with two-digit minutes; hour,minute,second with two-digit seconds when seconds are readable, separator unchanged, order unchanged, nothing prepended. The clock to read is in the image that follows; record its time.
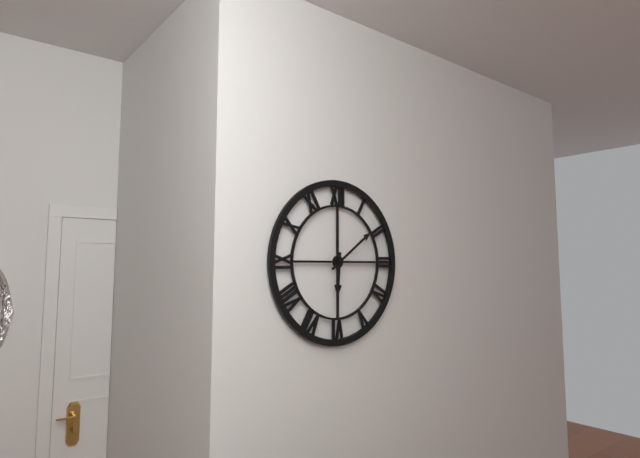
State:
6,09
